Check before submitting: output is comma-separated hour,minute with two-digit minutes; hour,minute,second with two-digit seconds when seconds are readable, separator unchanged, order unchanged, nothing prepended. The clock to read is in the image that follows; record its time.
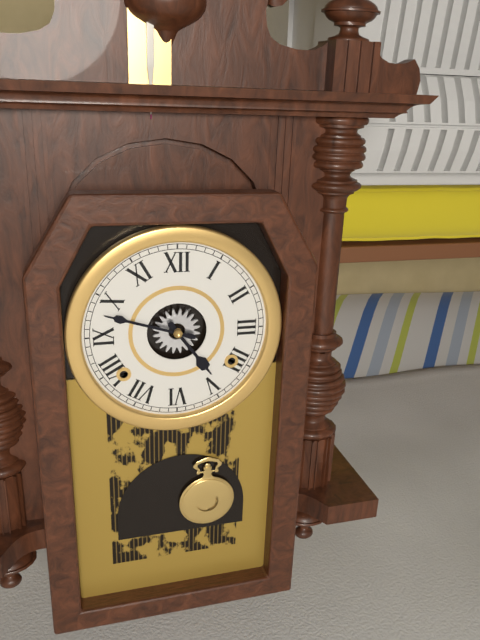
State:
4,48
